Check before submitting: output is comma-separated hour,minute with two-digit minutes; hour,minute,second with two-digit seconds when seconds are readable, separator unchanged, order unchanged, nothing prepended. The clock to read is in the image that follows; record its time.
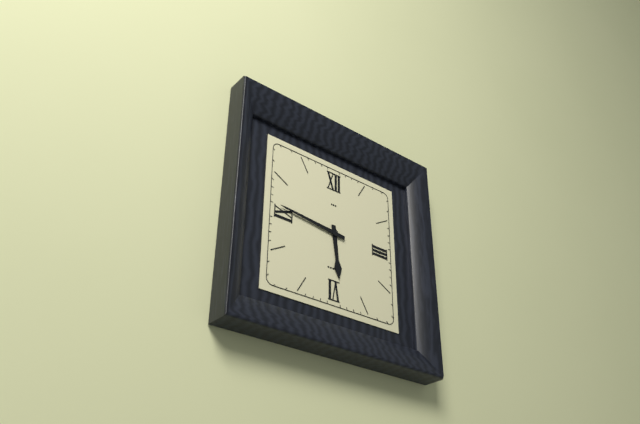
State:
5,46
